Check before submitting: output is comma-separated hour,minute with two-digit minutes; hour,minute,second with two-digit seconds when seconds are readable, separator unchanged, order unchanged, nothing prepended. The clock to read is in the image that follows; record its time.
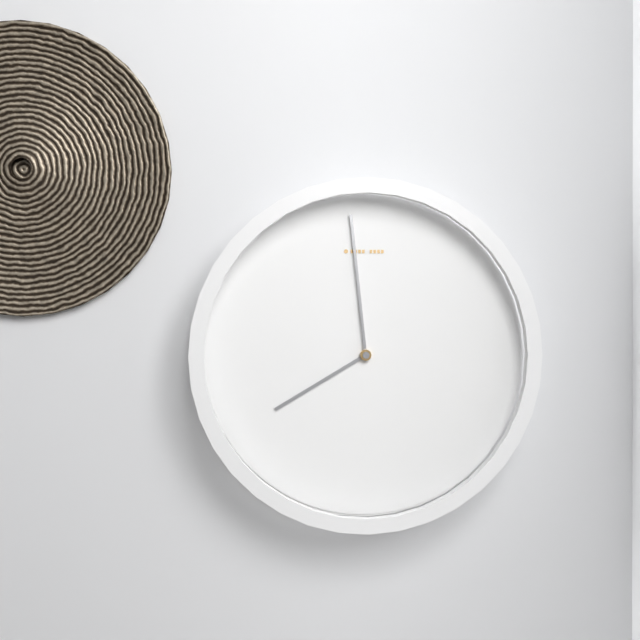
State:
7,59
